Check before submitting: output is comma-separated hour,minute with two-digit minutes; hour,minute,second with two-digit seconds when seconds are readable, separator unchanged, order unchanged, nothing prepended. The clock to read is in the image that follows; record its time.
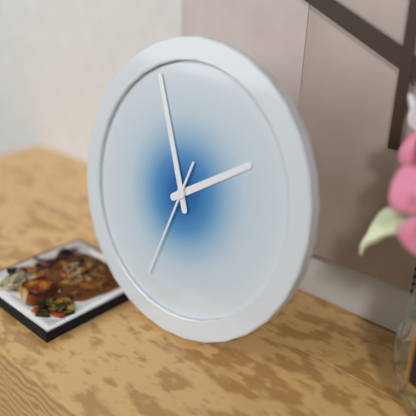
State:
1,56,33
